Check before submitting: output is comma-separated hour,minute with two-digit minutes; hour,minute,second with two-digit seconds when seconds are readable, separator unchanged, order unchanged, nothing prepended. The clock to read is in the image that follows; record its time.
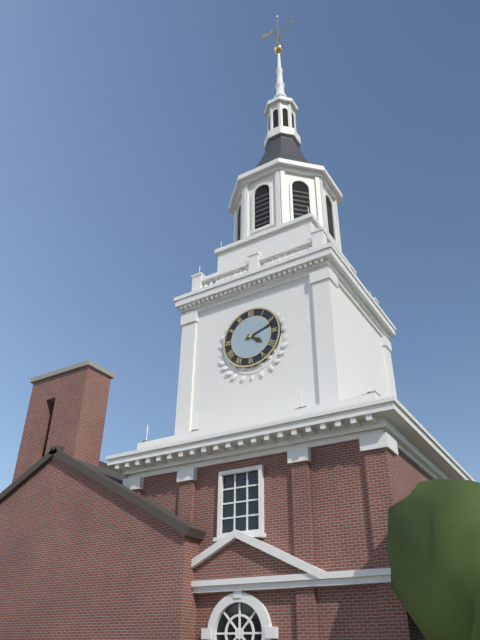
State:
4,12
